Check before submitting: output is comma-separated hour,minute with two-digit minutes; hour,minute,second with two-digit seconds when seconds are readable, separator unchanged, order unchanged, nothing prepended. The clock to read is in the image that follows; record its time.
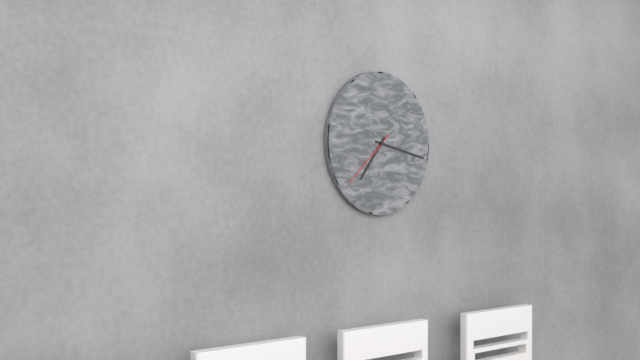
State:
7,17,38
